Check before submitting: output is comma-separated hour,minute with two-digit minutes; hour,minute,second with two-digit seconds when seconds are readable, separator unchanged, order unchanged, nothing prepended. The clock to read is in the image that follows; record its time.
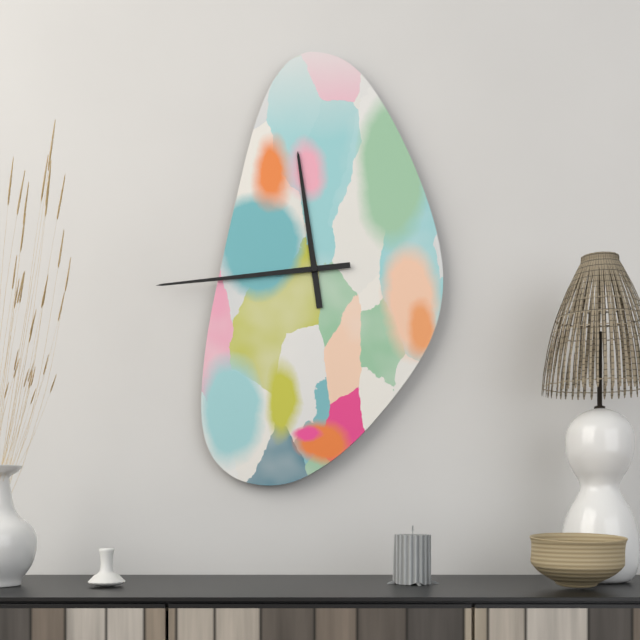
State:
11,44
